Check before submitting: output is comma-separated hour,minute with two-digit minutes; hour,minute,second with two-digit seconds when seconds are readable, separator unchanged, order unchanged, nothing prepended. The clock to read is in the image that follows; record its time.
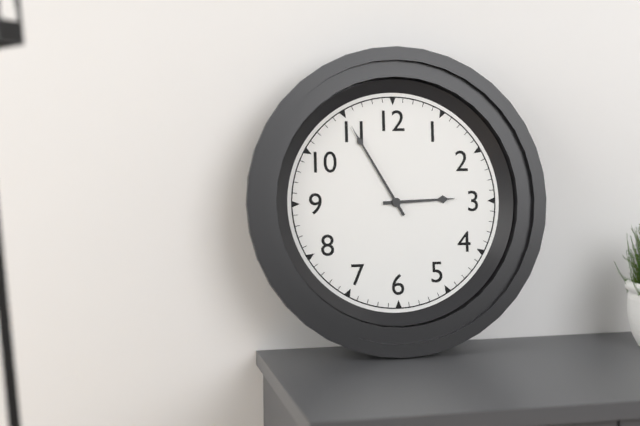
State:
2,55
